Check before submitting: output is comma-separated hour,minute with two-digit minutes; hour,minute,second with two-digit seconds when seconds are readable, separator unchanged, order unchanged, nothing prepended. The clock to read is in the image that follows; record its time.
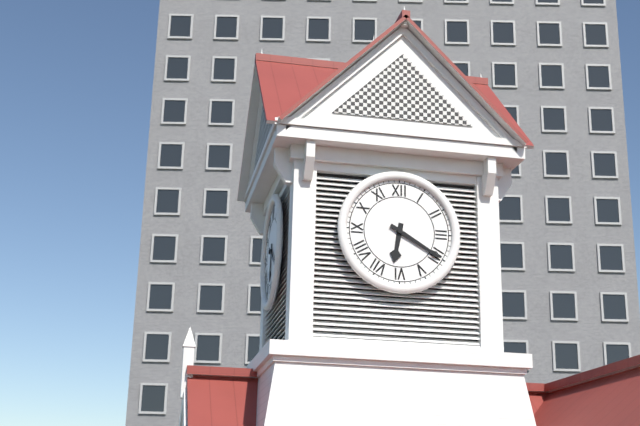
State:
6,20
